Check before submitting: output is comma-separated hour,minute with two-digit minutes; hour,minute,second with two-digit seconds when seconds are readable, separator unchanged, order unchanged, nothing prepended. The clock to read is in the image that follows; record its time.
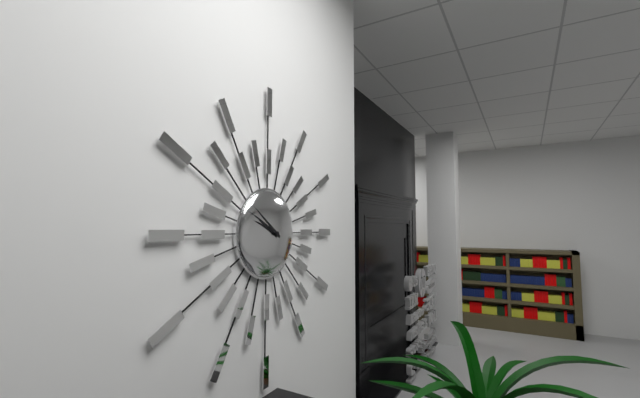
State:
9,51
